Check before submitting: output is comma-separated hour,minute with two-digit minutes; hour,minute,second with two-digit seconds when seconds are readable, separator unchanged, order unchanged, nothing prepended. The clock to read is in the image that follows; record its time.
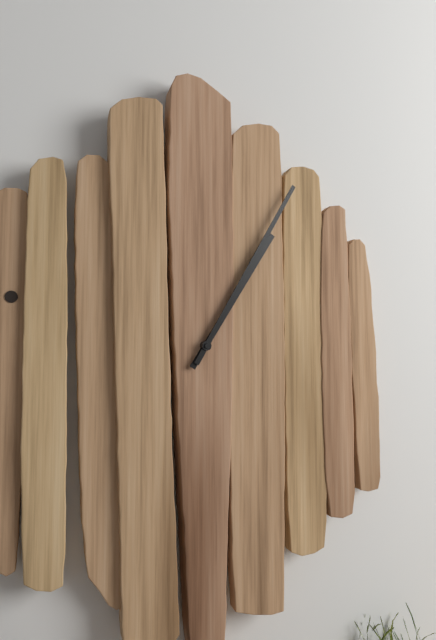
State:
1,05
